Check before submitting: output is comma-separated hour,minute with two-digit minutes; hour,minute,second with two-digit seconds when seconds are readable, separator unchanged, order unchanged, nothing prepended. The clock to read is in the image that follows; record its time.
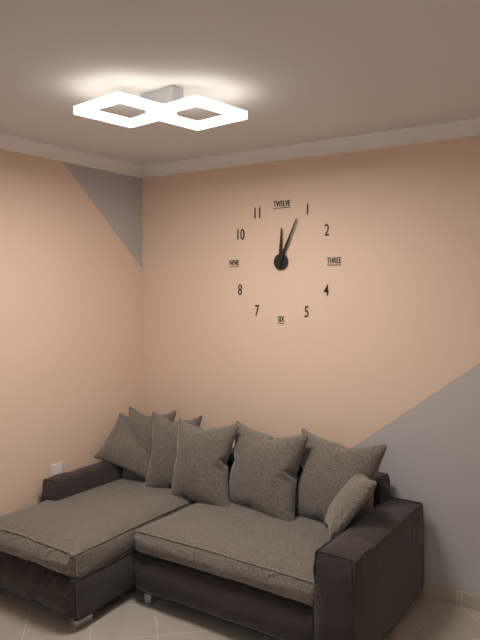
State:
12,04
